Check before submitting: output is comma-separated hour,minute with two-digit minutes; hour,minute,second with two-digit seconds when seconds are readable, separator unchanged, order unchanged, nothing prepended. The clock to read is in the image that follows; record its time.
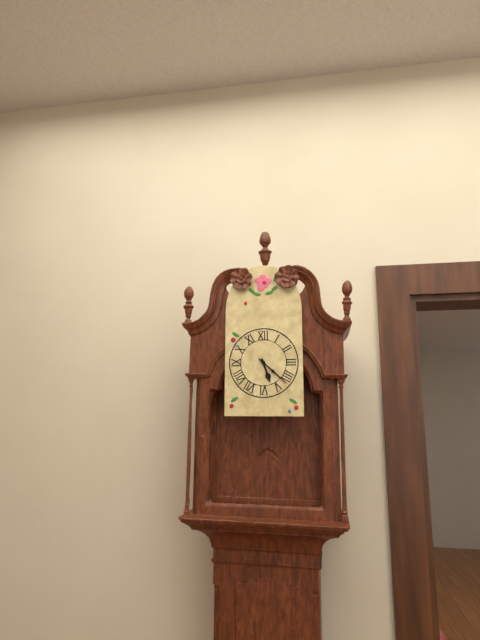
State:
5,22
